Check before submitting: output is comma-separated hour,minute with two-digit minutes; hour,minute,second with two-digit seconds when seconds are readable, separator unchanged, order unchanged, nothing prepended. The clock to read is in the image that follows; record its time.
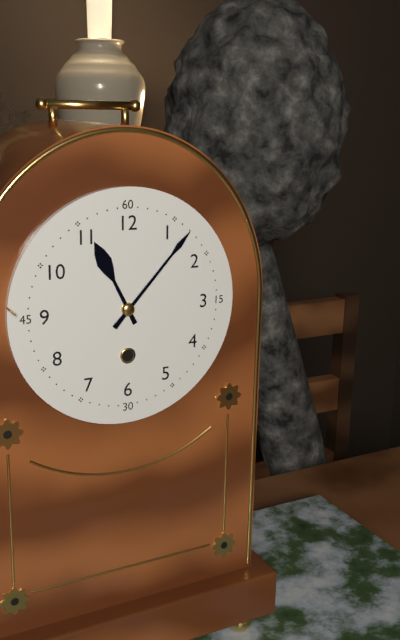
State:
11,07
